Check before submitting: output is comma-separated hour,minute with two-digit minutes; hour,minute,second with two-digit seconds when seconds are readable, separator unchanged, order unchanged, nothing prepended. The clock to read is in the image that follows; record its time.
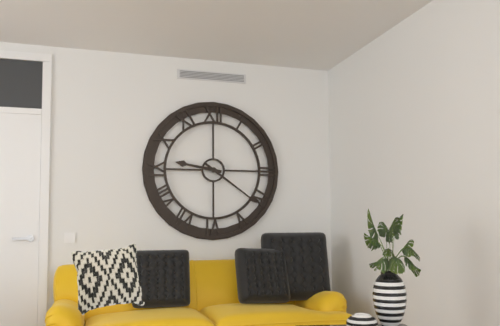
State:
9,21
